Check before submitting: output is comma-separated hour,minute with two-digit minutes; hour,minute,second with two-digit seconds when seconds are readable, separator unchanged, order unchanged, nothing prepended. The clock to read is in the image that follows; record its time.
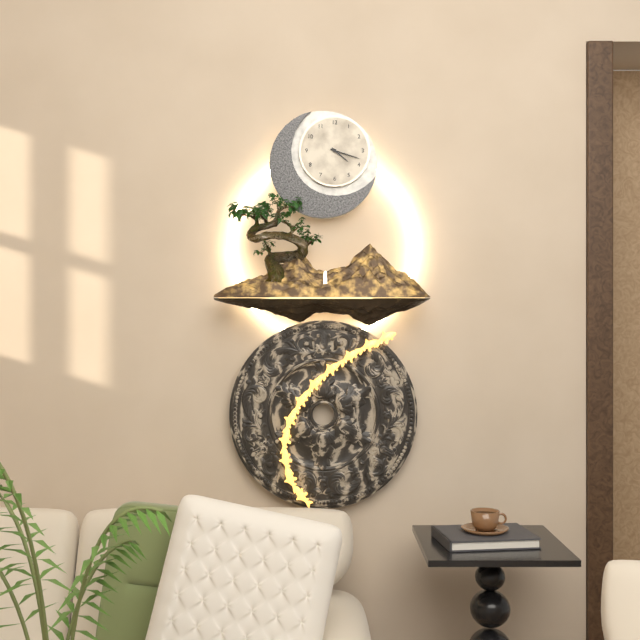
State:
4,18
